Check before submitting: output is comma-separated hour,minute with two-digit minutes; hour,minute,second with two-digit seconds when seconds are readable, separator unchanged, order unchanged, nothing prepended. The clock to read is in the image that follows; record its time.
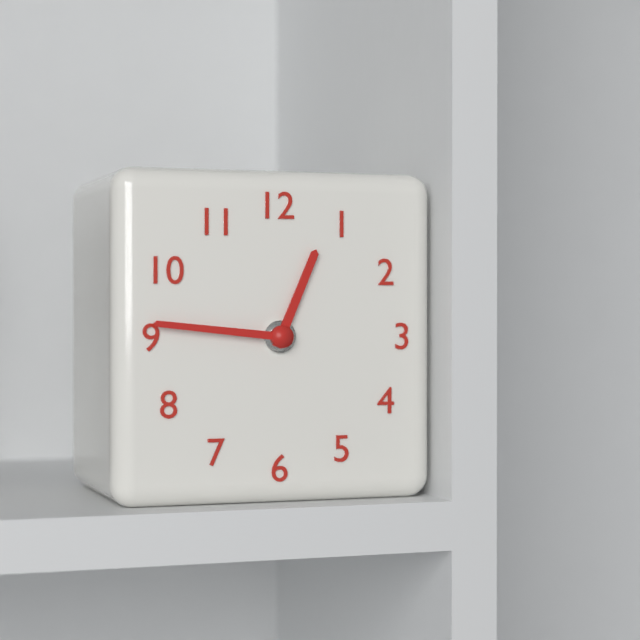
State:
12,46
